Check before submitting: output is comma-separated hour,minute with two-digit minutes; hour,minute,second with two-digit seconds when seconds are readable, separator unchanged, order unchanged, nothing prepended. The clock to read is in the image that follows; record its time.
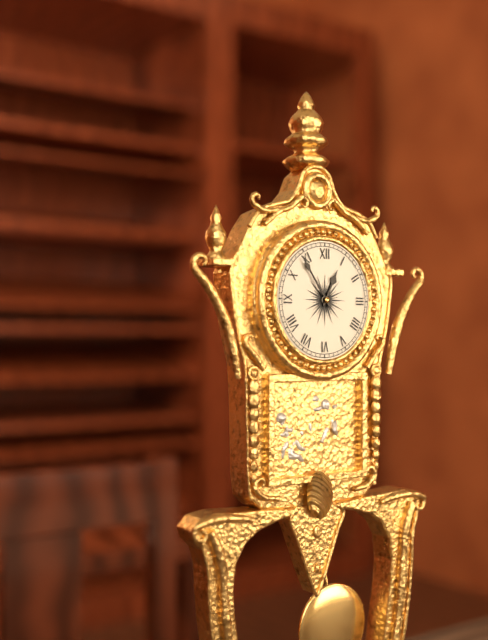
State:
12,54
